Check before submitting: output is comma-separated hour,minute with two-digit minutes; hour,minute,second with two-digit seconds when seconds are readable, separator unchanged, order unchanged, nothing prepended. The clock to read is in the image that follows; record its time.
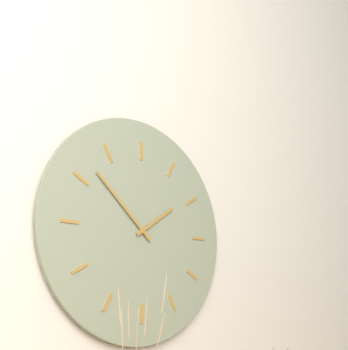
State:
1,52
